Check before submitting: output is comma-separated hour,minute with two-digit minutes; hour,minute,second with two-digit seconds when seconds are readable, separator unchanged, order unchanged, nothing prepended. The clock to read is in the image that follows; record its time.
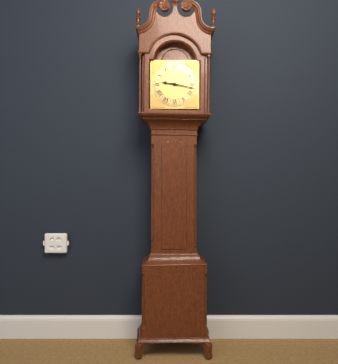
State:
9,17
